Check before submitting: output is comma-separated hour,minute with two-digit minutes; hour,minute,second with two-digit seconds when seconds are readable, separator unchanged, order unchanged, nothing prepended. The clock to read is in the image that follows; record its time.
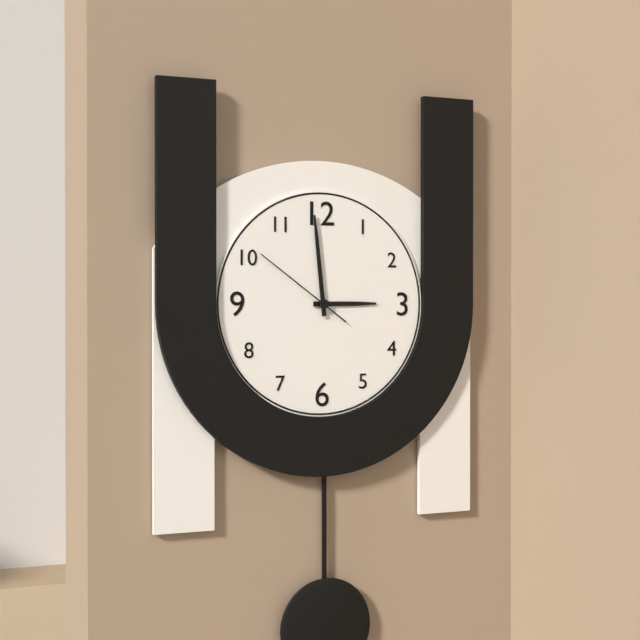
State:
2,59,51
